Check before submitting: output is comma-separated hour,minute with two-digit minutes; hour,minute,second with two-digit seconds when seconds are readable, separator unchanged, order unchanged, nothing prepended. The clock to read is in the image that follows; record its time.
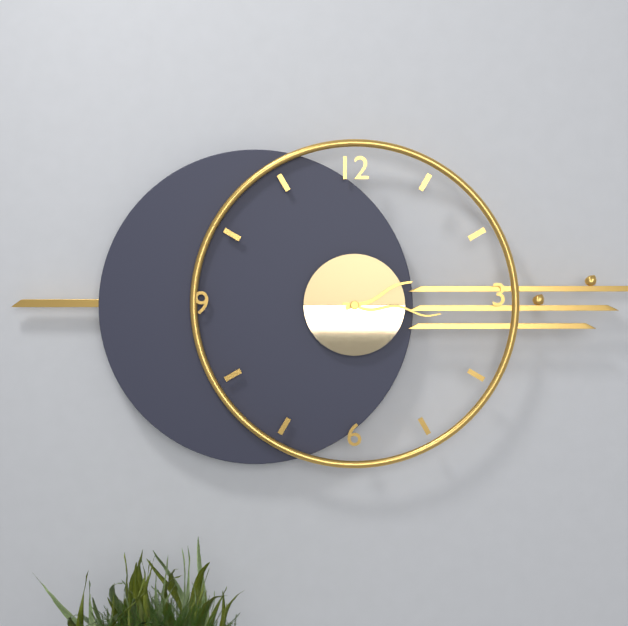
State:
2,16
